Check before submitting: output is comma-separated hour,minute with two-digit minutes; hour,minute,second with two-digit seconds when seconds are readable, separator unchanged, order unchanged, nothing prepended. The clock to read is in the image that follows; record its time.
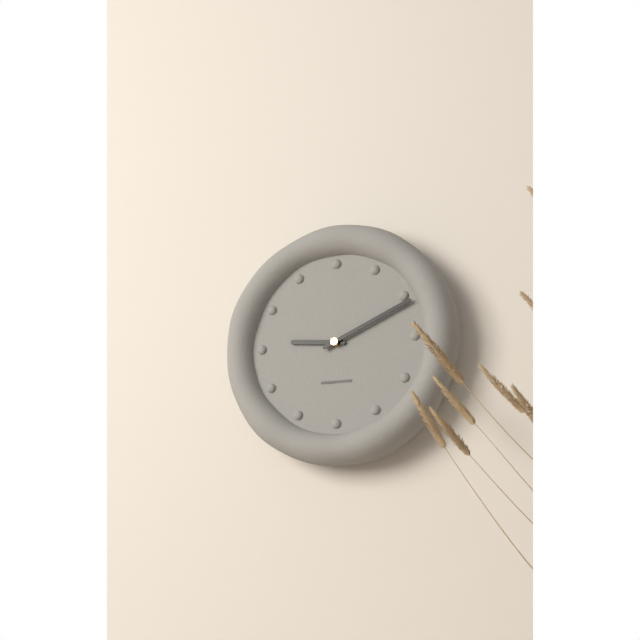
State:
9,11
